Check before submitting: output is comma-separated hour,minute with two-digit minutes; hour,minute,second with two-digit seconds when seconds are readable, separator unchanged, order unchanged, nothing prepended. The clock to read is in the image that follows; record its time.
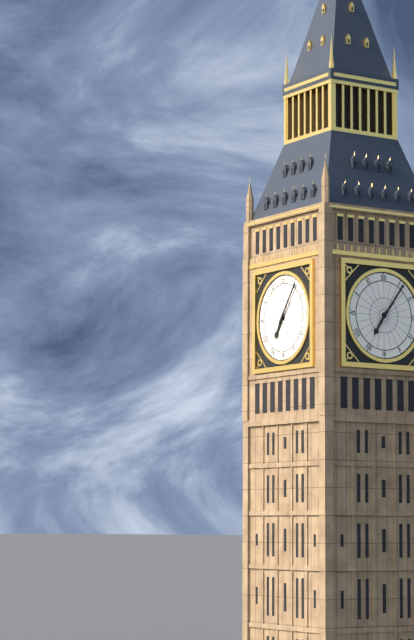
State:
7,06
